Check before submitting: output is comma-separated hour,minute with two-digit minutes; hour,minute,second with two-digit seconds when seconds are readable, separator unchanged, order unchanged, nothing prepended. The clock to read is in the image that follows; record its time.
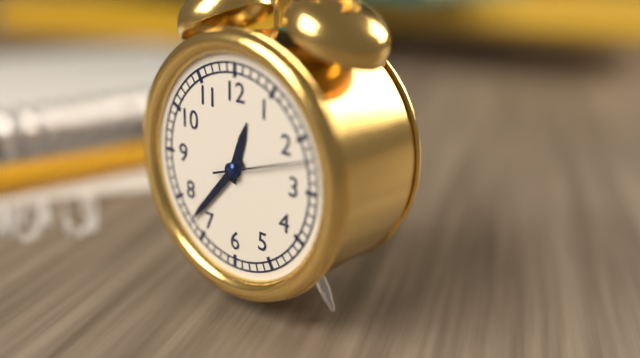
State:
12,37,12
